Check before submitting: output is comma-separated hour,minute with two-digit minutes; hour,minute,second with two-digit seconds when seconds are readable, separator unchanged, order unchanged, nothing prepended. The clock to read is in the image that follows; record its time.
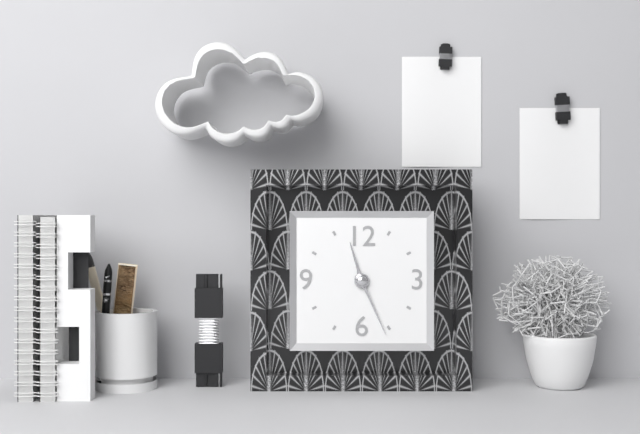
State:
11,26
